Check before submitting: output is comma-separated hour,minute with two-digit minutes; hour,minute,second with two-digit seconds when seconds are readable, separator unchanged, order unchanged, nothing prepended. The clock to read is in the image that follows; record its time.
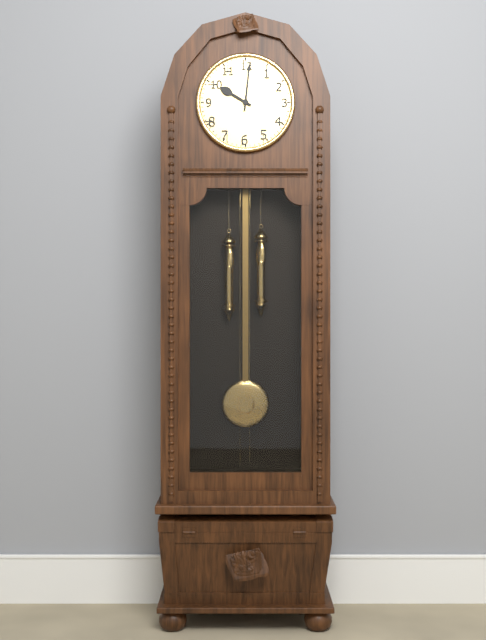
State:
10,01
